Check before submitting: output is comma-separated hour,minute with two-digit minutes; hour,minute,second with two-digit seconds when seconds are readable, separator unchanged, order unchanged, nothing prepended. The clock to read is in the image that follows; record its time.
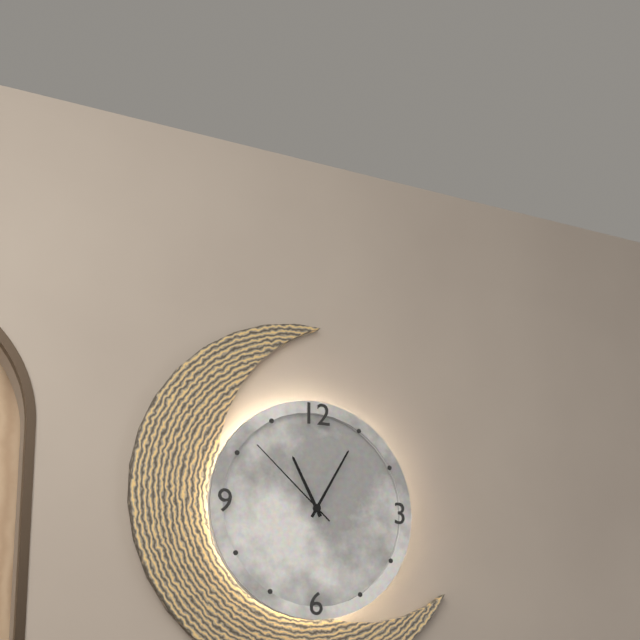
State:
11,05,52
